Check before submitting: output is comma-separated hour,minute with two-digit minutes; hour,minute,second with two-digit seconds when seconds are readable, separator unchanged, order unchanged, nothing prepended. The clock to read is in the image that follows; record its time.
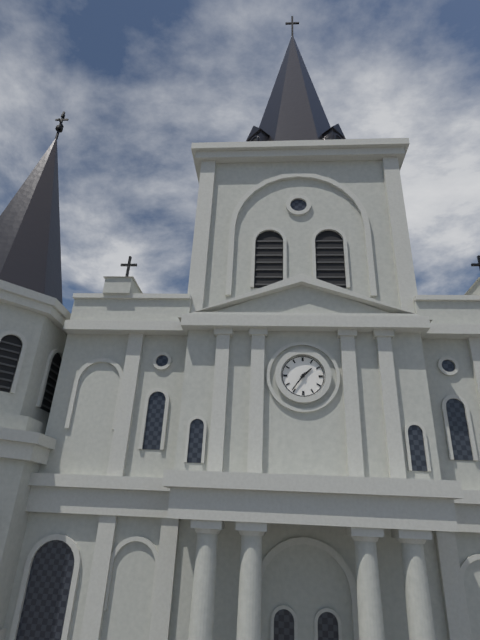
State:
1,36
